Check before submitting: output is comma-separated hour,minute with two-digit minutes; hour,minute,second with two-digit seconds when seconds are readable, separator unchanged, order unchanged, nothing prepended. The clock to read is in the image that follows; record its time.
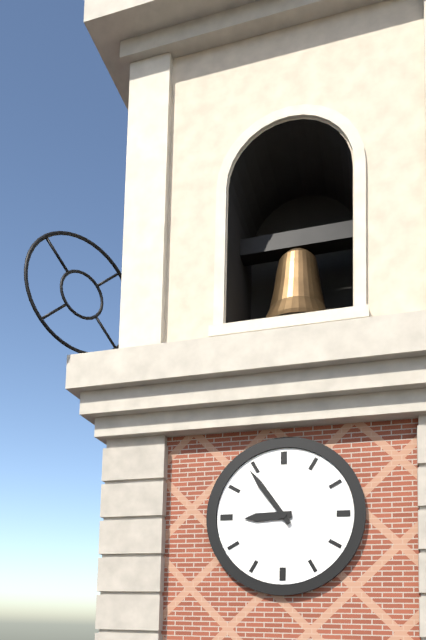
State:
8,54
